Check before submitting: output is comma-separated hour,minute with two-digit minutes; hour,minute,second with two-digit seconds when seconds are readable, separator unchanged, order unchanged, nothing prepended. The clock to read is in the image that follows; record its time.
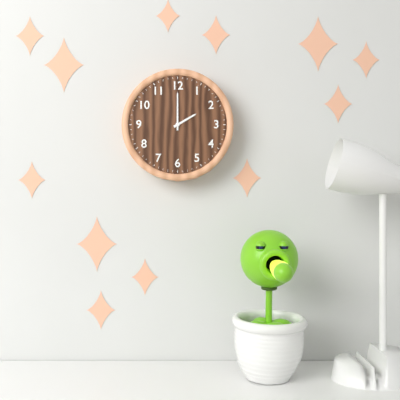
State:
2,00
